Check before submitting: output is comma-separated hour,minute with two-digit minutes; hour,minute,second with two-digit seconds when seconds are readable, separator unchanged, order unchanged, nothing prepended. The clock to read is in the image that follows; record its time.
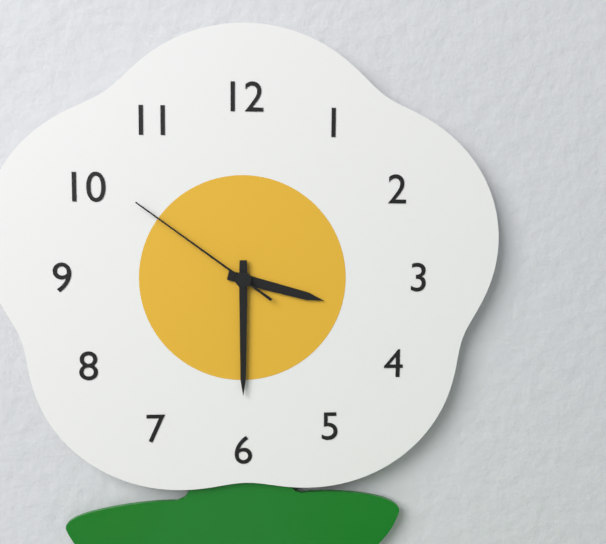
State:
3,30,51
